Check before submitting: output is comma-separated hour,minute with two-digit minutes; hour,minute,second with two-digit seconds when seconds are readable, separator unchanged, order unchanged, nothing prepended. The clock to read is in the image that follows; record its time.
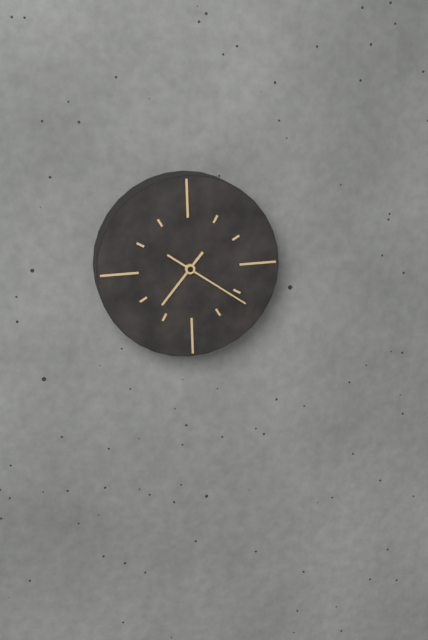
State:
7,21
